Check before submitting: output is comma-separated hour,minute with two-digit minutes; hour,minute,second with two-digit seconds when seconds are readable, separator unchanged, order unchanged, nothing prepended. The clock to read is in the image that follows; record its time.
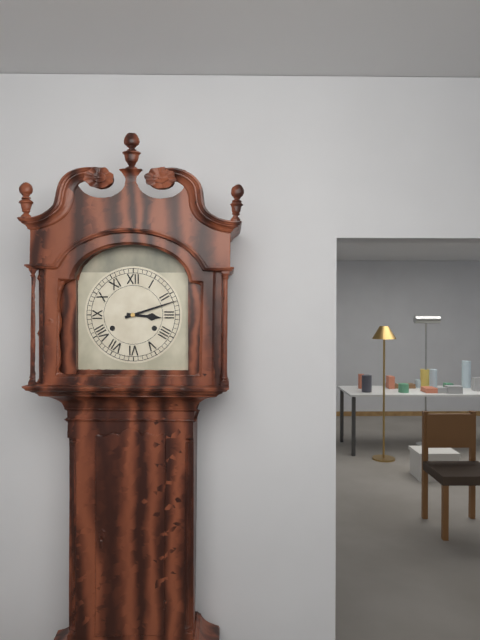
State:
3,12
